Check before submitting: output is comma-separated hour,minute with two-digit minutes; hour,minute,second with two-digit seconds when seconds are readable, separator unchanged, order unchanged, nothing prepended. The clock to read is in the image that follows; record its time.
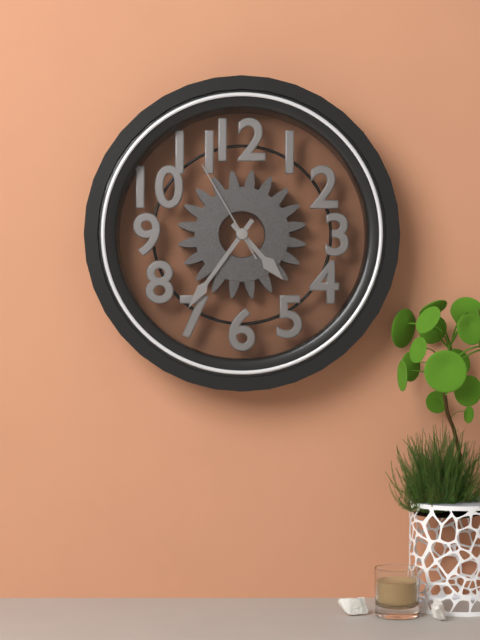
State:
4,36,55
